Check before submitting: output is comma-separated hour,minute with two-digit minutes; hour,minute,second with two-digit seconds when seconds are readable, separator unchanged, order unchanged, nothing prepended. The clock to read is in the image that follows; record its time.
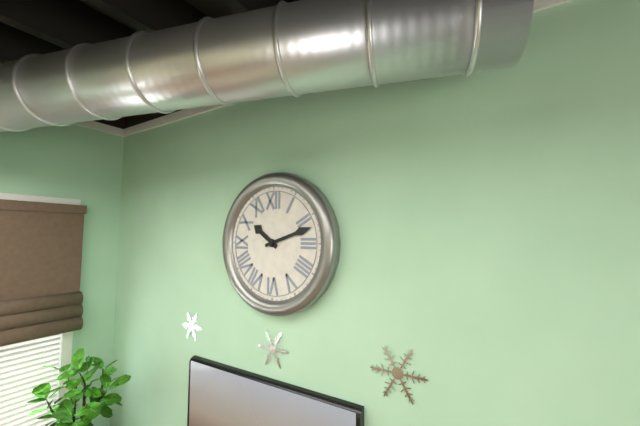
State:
10,12
